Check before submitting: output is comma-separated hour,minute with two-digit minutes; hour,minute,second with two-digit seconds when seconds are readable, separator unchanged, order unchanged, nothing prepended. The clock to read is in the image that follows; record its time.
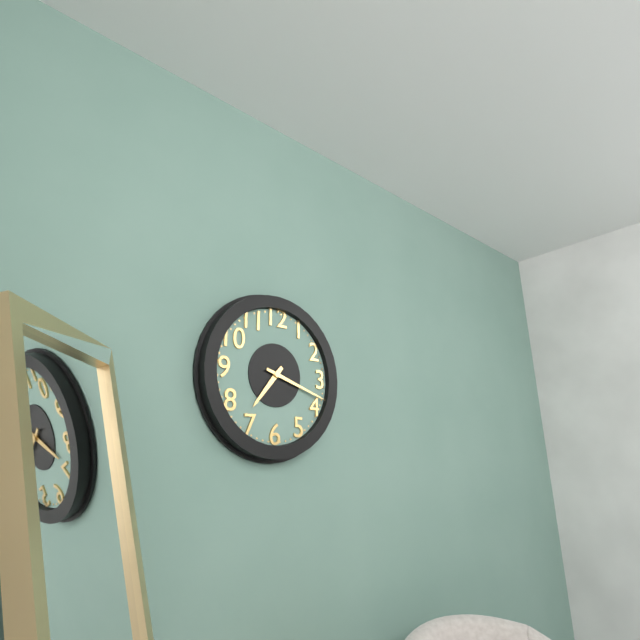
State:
7,18
